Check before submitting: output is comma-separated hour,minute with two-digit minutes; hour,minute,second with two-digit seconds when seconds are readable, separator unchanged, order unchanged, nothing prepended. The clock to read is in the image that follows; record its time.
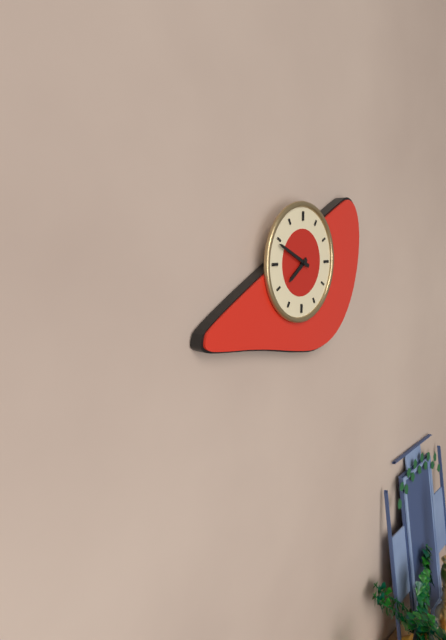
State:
7,49
